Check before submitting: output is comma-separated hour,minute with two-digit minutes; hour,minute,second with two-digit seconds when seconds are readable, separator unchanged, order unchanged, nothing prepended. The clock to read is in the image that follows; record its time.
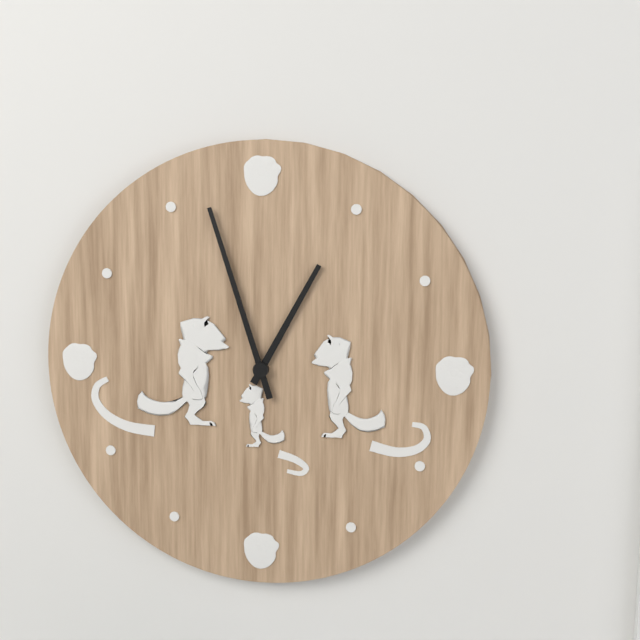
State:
12,57
